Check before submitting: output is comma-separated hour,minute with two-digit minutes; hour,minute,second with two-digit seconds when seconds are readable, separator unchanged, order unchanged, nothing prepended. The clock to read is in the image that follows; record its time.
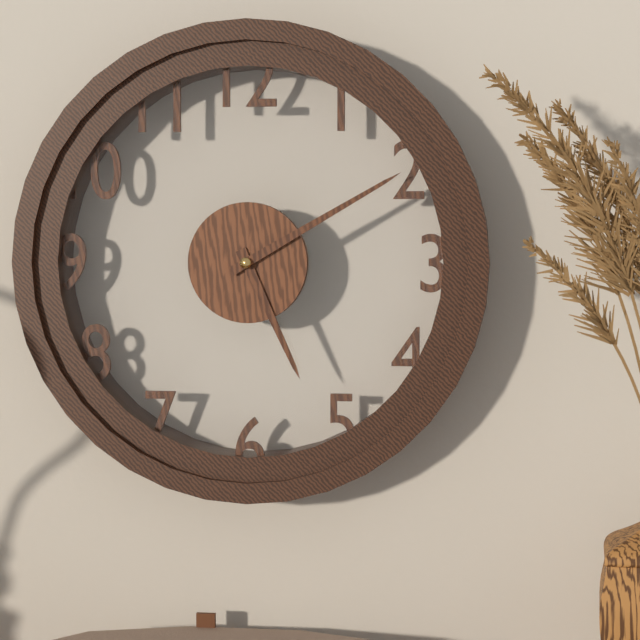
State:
5,10
